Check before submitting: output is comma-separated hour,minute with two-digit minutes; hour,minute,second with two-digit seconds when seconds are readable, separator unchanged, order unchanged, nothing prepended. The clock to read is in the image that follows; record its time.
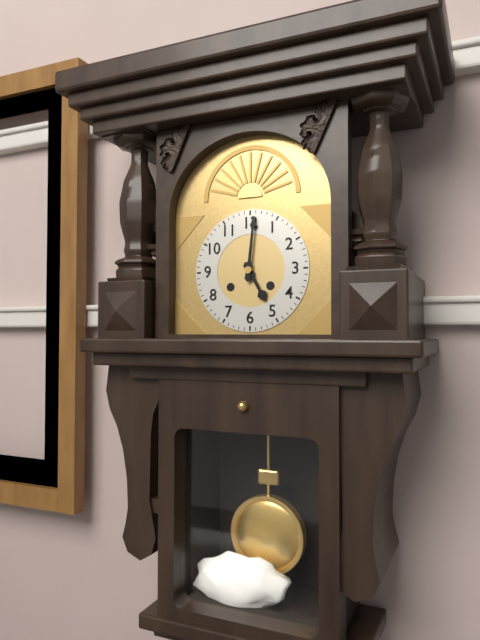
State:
5,01
